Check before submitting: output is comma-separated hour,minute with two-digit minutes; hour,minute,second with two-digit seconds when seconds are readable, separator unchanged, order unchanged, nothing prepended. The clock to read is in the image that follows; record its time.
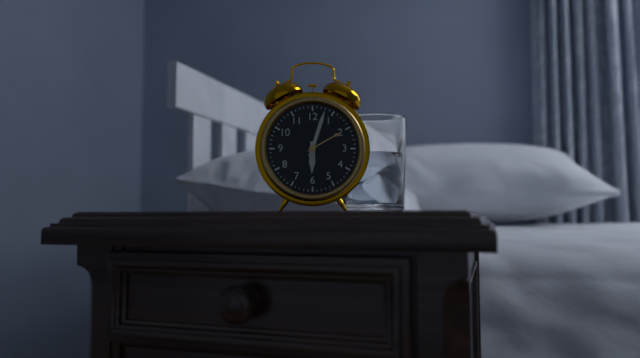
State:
6,03
